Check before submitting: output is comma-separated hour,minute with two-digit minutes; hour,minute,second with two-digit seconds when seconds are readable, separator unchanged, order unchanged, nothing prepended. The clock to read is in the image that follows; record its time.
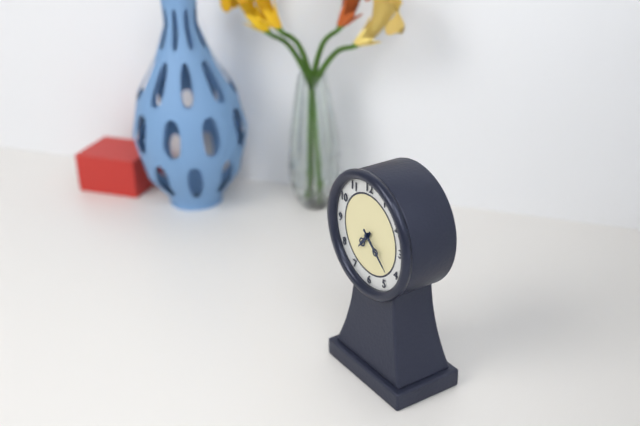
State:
7,22
